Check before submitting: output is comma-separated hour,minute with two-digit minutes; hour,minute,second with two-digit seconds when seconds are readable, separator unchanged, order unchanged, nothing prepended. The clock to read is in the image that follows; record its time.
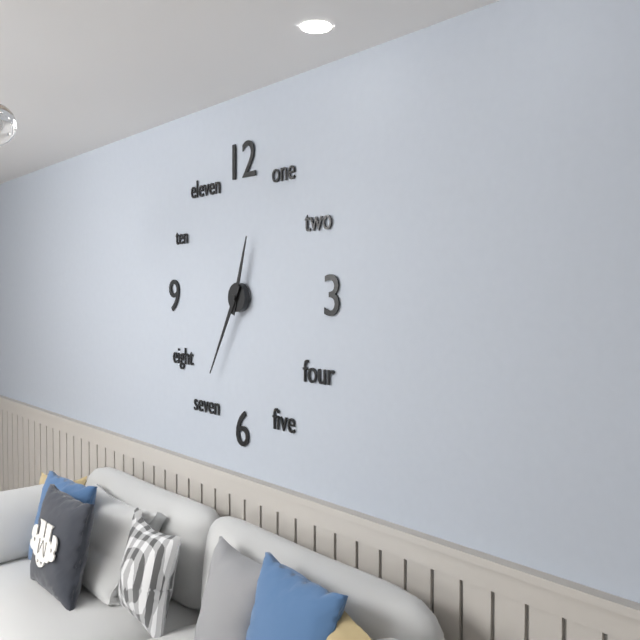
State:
12,35
